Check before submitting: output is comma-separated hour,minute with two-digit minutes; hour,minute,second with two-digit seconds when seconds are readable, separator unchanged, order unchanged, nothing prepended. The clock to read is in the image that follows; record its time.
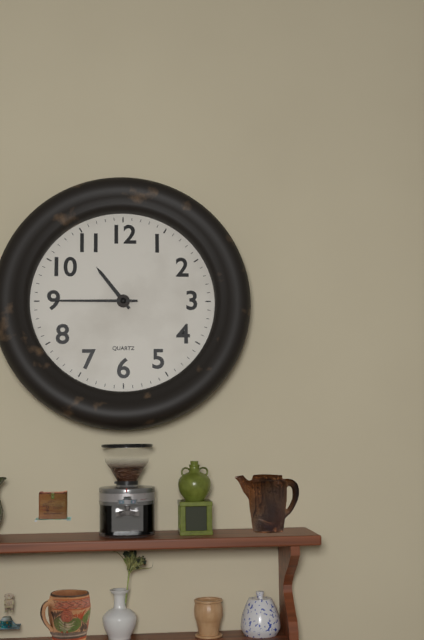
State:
10,45
